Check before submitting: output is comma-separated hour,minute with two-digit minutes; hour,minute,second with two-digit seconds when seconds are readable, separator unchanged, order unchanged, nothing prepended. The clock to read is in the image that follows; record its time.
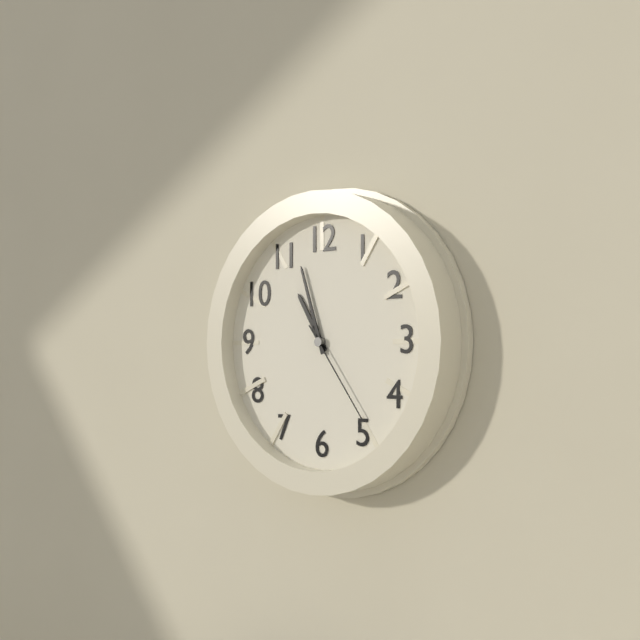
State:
10,57,24
